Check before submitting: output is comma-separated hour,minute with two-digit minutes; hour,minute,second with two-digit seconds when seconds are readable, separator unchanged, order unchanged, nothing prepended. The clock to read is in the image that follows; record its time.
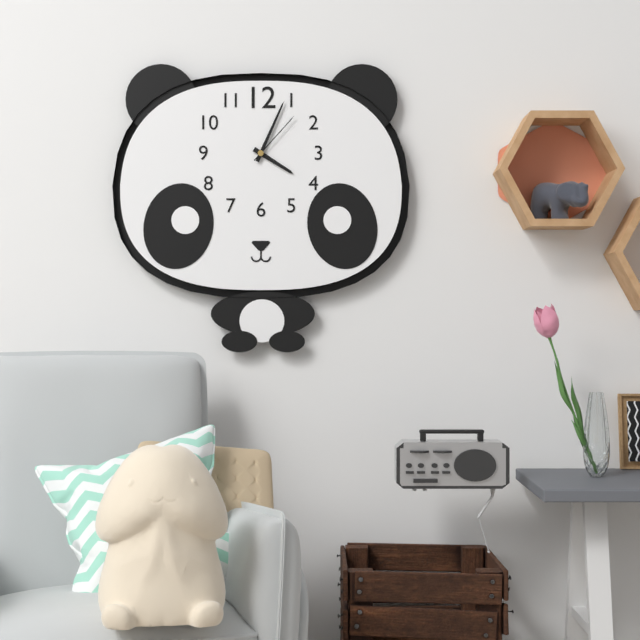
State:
4,04,07
